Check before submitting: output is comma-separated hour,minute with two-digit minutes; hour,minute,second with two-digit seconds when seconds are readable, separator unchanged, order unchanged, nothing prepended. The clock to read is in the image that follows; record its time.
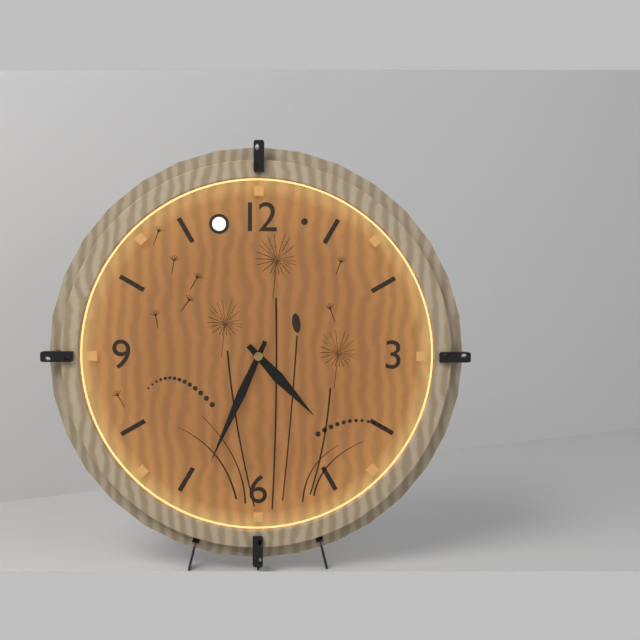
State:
4,34
